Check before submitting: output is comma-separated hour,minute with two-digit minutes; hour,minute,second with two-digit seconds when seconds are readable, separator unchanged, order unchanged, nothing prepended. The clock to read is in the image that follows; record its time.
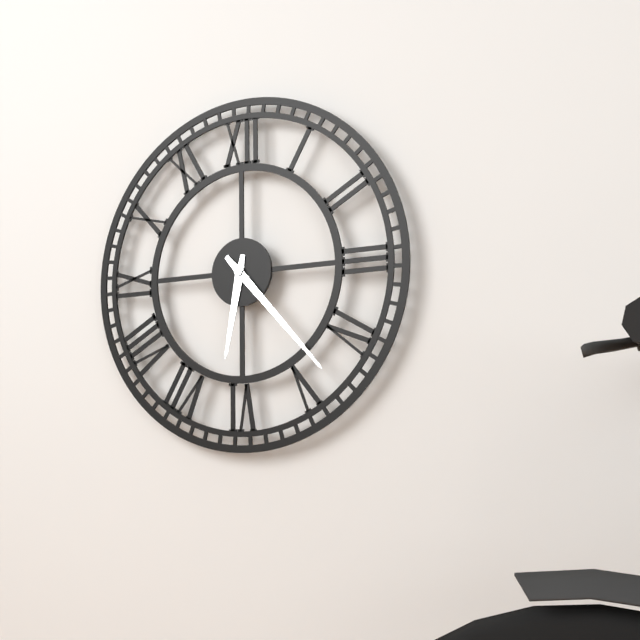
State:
6,23
